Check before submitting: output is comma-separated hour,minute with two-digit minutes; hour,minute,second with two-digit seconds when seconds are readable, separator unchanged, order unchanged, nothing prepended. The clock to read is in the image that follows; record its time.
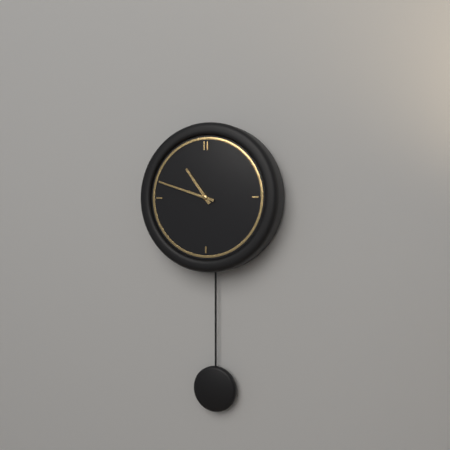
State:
10,48
